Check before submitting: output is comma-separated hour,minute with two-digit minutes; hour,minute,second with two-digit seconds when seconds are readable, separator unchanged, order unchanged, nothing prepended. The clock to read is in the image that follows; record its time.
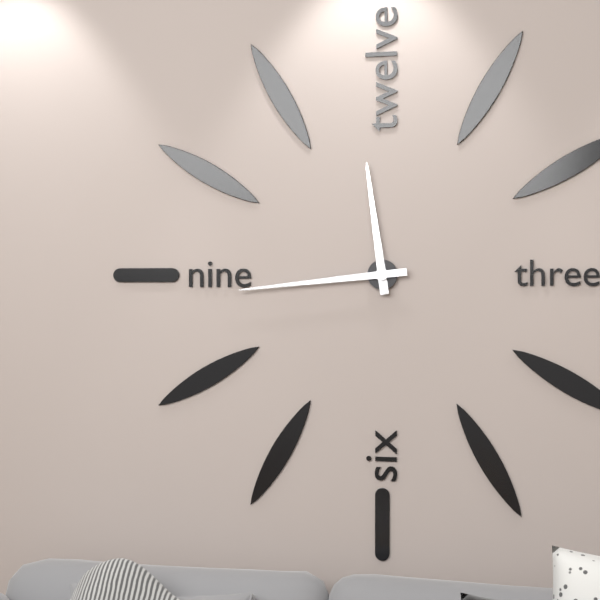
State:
11,44
